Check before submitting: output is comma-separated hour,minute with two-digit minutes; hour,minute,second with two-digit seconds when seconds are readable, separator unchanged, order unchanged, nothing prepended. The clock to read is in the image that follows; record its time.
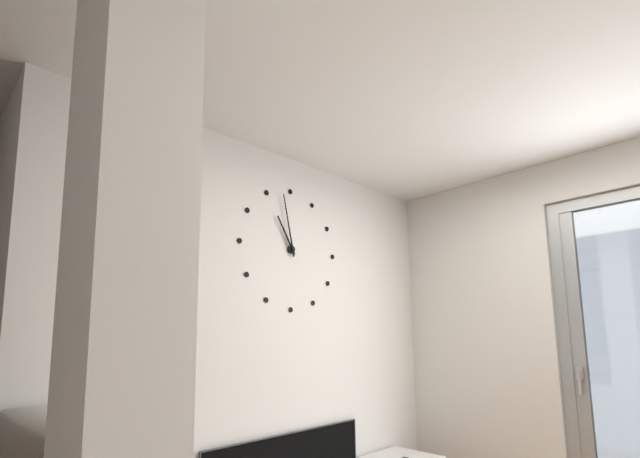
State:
10,58
